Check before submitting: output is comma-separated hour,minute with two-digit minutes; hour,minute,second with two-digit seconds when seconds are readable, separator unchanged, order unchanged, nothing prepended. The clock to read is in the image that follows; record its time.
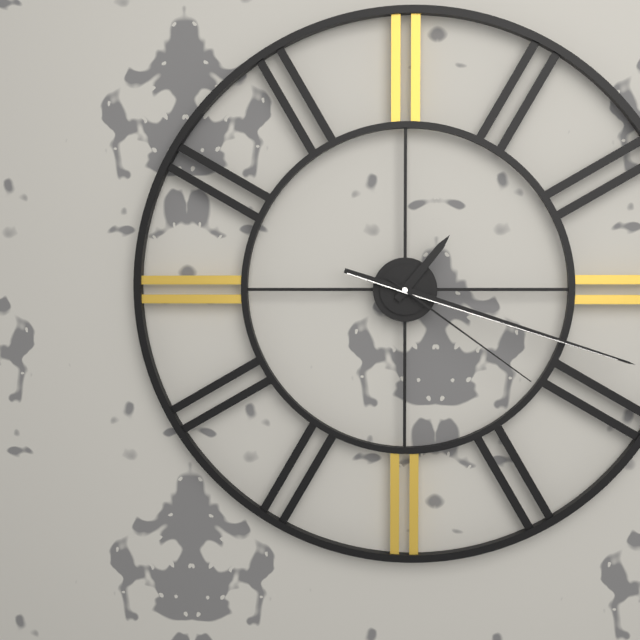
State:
1,18,21
